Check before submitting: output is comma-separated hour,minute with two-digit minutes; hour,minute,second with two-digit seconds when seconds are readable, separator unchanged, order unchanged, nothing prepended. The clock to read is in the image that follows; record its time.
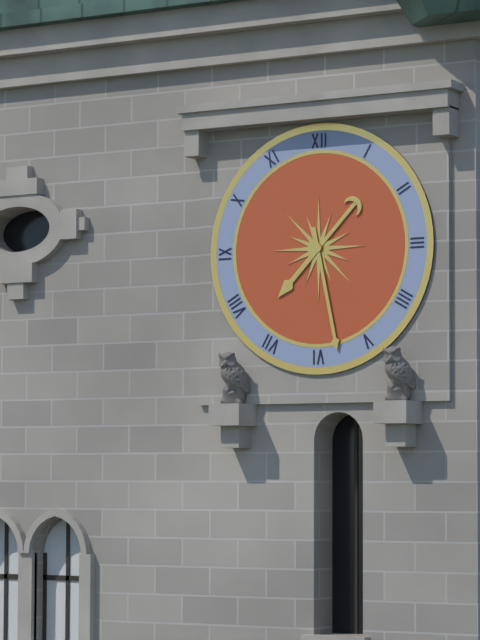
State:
7,28
